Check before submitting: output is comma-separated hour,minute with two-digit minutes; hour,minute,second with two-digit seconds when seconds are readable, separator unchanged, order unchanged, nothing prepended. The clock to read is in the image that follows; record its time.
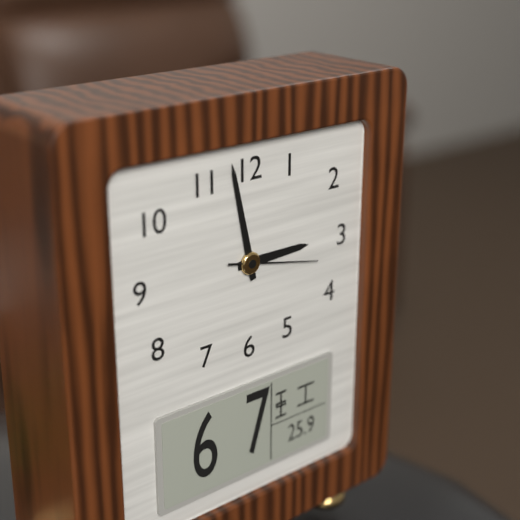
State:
2,58,17
